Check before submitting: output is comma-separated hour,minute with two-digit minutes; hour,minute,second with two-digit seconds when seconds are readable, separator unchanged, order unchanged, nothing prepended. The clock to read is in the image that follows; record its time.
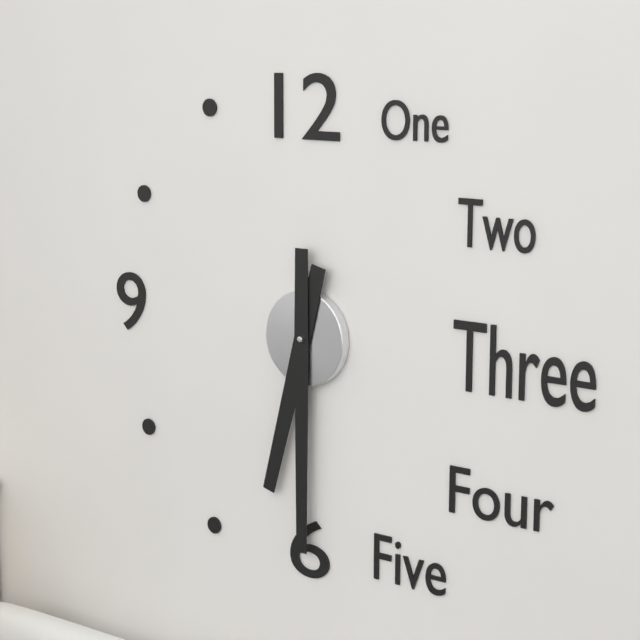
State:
6,30
